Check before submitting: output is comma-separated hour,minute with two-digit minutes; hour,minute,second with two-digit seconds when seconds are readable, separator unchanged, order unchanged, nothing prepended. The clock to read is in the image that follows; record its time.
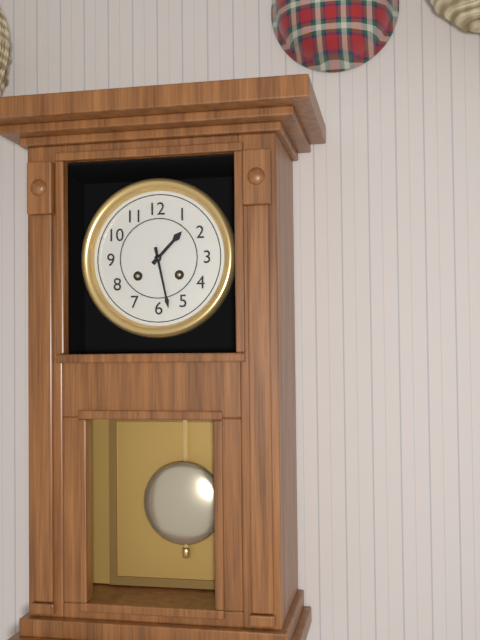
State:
1,28
